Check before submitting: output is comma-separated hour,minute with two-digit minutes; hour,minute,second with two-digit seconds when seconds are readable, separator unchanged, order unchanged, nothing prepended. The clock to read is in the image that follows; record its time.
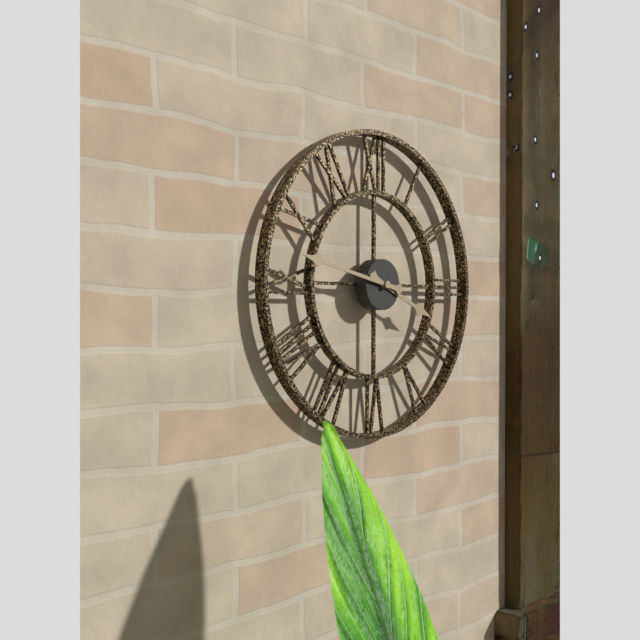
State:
3,47
